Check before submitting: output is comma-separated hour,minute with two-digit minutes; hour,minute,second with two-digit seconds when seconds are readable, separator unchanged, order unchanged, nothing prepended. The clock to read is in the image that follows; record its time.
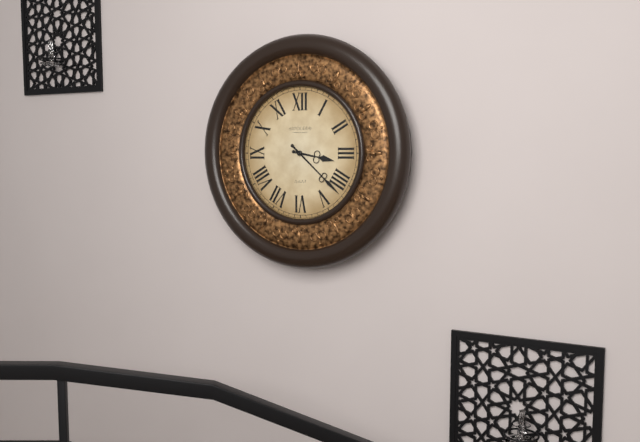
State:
3,22
